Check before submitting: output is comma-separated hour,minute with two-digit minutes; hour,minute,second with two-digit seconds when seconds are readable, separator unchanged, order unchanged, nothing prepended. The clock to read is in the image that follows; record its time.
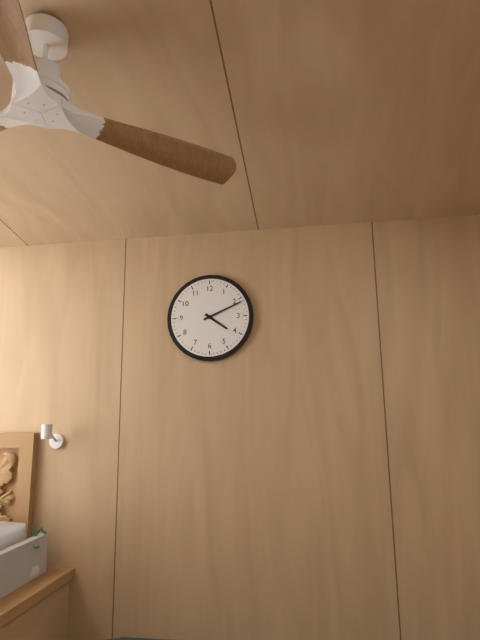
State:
4,11
